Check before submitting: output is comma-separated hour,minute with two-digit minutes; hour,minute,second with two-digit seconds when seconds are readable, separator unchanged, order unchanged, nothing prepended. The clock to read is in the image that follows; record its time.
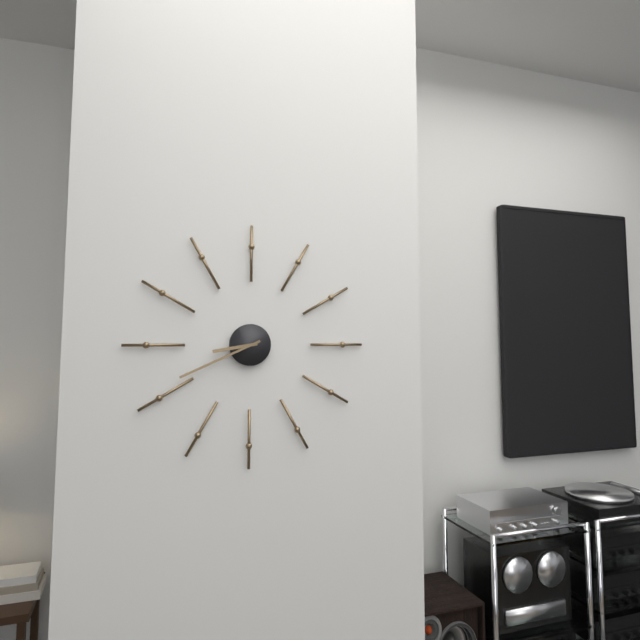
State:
8,41
